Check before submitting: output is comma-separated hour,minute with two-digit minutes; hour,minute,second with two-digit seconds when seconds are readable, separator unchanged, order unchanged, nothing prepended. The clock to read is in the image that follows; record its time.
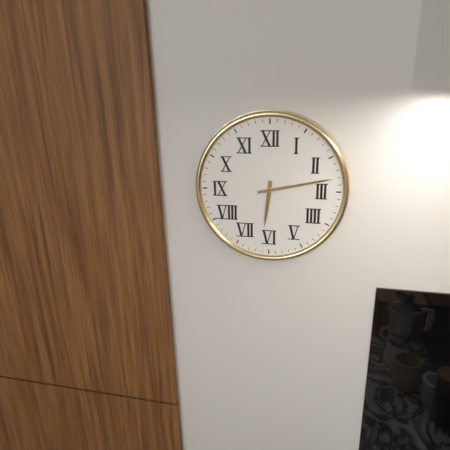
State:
6,13
